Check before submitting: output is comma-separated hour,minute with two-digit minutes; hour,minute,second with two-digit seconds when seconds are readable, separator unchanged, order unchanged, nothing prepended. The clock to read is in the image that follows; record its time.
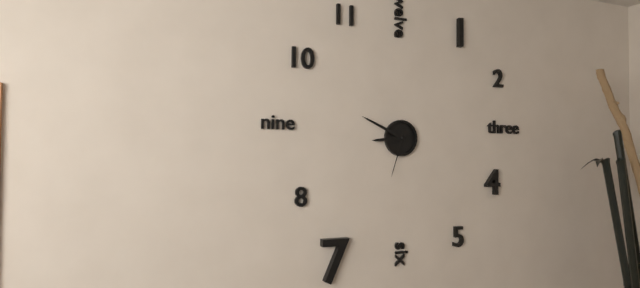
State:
8,49,33
